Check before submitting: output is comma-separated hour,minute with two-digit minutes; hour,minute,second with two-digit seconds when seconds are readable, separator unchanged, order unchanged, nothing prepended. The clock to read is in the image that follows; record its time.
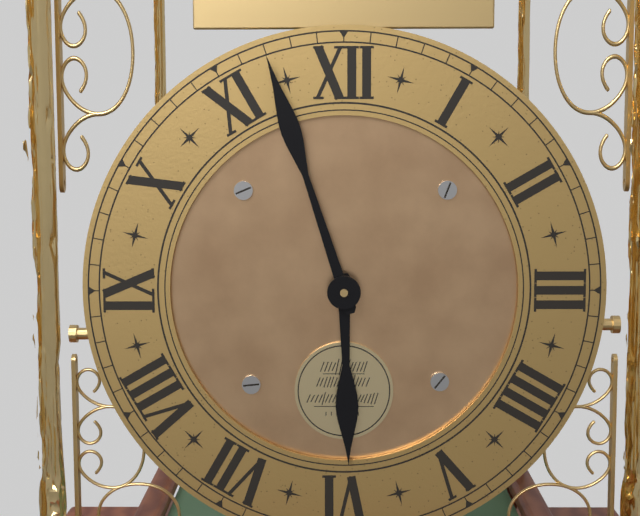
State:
5,57
